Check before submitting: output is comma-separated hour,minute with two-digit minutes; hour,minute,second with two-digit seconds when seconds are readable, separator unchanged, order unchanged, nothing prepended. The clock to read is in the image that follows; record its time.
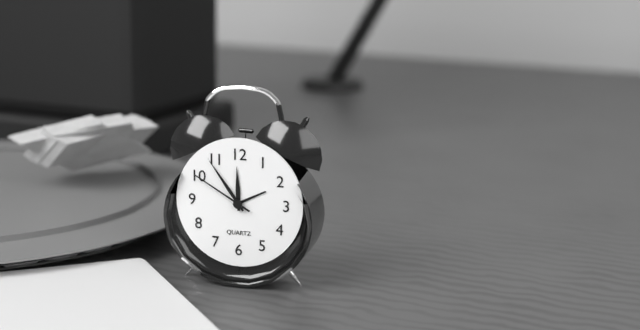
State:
11,54,50
